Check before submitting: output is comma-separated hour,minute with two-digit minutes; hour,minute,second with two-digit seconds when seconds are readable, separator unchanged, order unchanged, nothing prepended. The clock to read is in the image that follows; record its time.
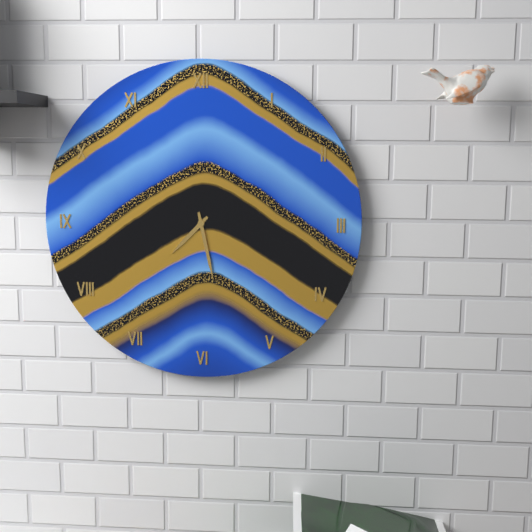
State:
7,28
